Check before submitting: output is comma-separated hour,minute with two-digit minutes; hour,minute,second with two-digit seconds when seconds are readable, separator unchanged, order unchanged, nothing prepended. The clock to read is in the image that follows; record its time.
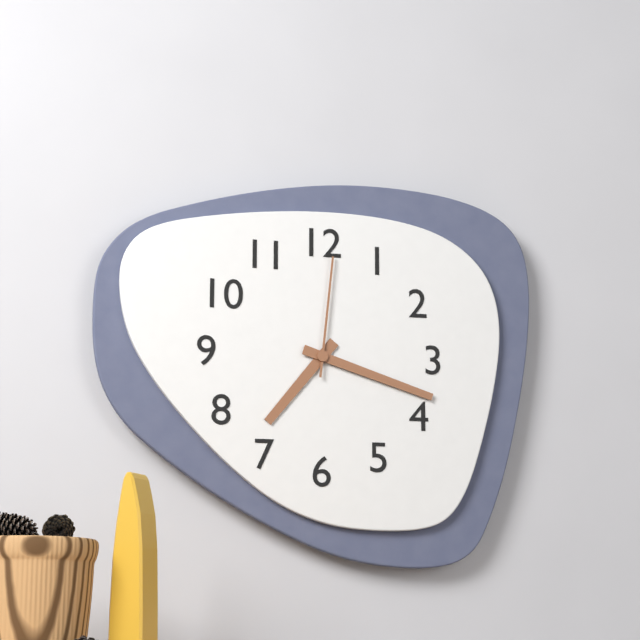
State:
7,18,01
